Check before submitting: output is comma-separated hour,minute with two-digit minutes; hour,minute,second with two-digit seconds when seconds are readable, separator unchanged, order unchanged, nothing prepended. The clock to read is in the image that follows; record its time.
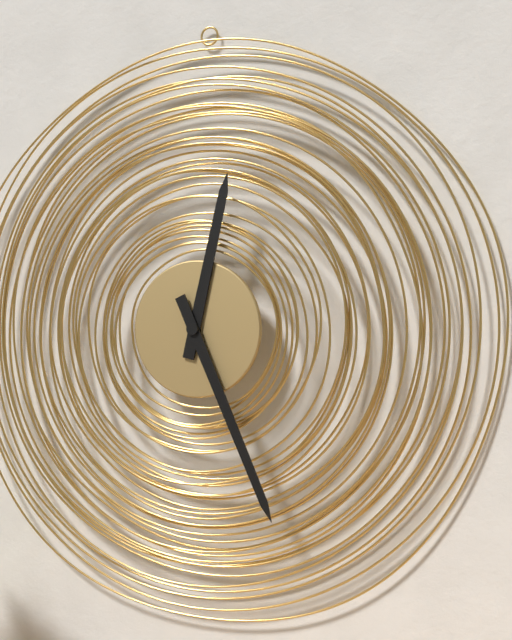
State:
12,26
